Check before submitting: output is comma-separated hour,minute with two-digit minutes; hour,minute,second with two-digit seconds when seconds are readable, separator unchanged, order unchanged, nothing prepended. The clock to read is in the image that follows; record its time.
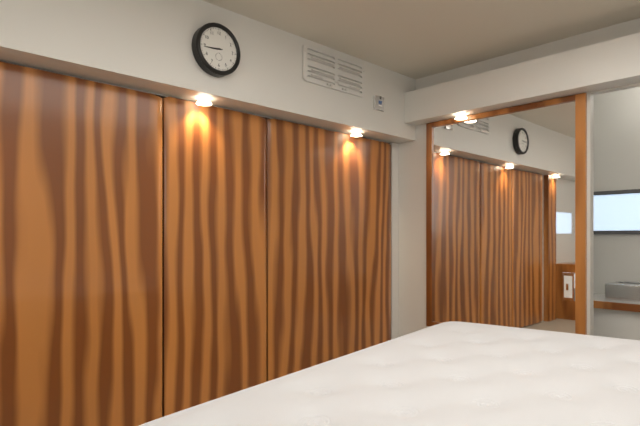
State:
8,44
